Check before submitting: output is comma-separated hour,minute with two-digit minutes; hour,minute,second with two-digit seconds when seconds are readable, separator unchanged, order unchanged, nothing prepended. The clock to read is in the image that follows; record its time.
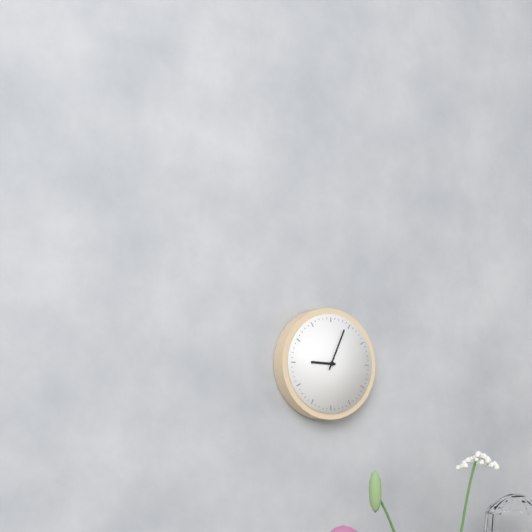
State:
9,04
